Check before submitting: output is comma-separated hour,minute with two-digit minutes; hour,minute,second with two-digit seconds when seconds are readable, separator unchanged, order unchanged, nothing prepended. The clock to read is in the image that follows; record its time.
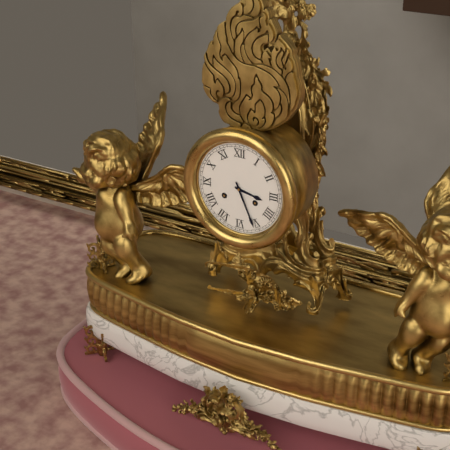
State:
3,26
